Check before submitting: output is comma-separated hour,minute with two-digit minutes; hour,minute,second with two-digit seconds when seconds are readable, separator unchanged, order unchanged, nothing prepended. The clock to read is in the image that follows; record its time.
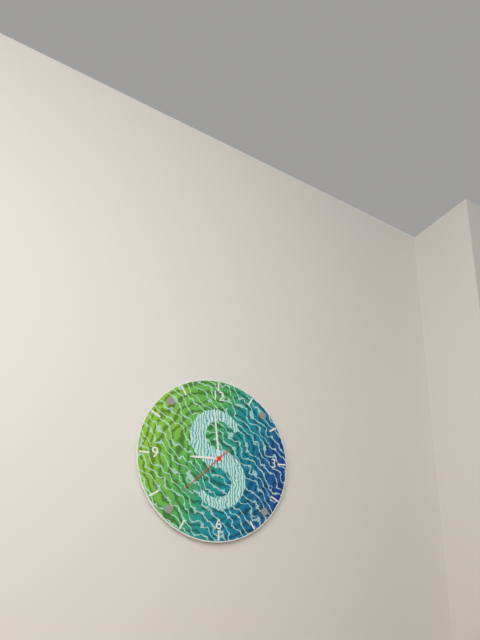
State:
8,59,38
